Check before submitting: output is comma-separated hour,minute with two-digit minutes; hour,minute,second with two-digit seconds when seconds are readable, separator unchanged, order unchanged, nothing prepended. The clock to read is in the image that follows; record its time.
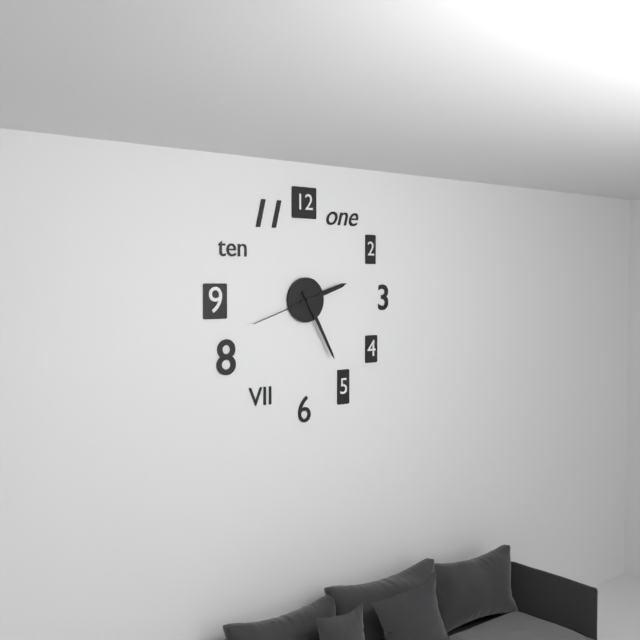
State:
2,25,42
